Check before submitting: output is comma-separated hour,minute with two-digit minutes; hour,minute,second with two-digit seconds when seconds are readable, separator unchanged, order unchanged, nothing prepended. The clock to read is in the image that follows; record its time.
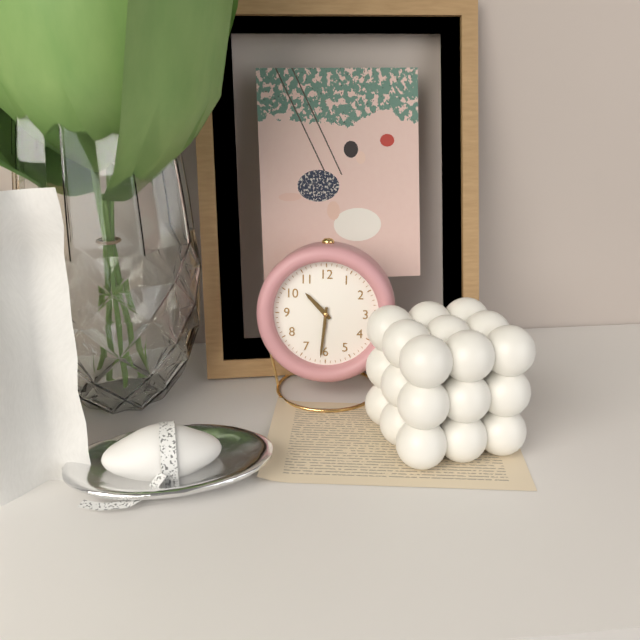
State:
10,31
